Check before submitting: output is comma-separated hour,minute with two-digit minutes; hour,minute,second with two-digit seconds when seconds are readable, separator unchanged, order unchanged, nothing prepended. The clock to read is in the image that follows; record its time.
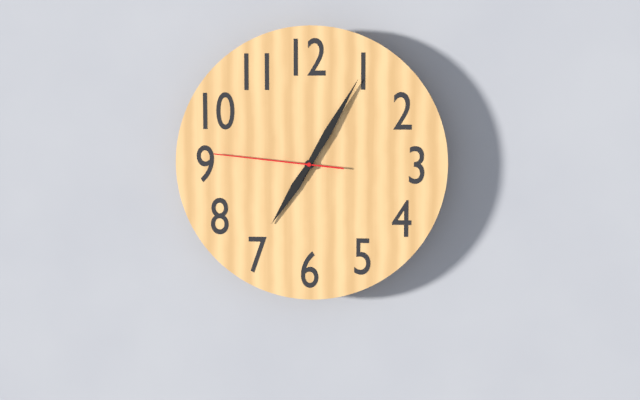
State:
7,05,46
